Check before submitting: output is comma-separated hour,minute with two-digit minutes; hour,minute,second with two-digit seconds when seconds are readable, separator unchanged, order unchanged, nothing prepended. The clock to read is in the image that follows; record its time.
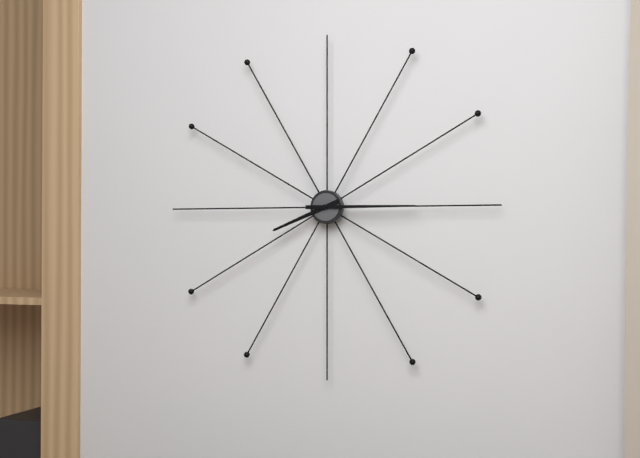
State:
8,15
